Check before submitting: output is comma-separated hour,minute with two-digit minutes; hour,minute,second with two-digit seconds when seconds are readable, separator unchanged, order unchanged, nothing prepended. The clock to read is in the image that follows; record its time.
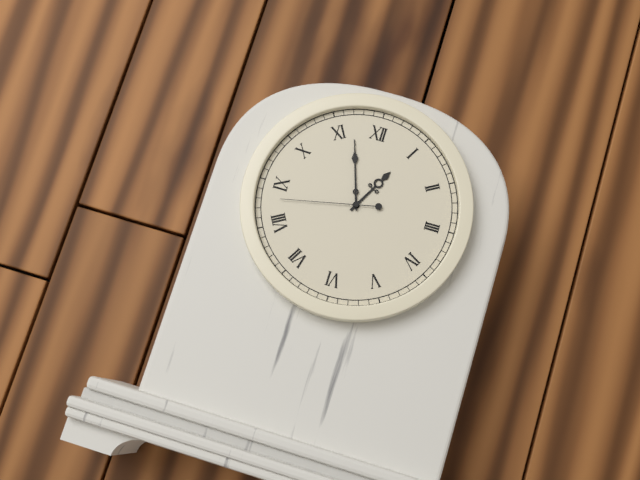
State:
12,57,43
